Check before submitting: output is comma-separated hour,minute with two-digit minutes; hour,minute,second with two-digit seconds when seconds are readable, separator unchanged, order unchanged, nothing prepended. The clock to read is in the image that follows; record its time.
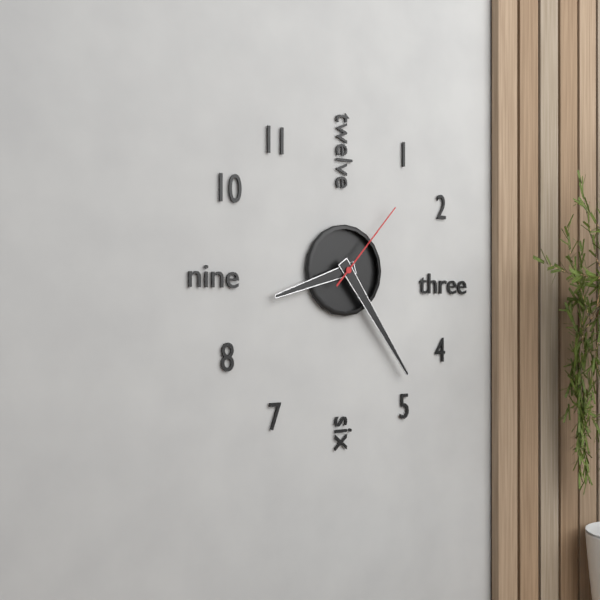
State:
8,24,07
